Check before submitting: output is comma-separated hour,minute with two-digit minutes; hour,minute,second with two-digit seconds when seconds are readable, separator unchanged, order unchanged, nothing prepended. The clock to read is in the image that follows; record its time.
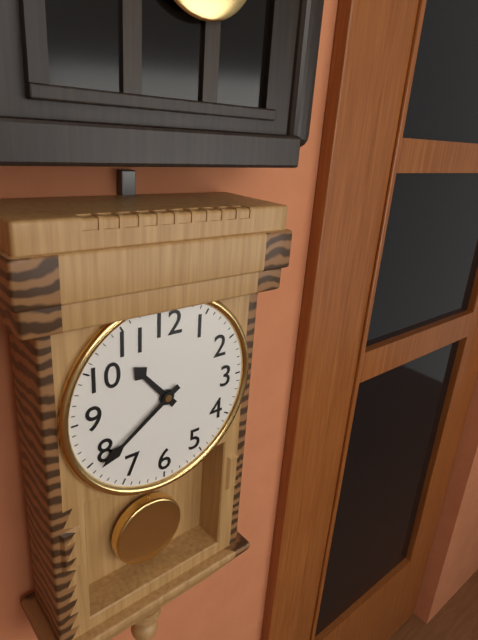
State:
10,39
